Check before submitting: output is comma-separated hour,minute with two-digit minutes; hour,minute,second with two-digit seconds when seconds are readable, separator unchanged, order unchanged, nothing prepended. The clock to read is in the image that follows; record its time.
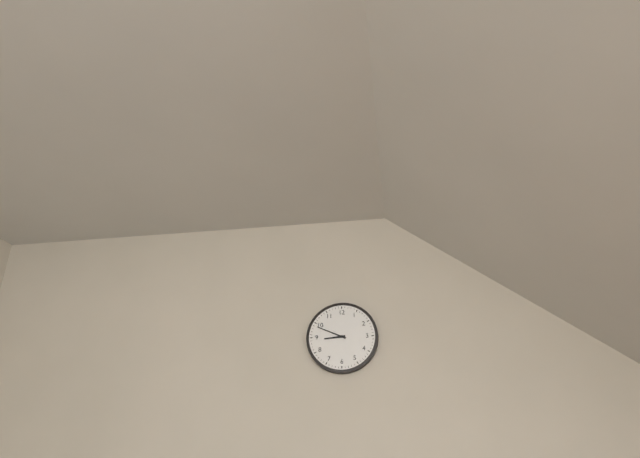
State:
8,49
